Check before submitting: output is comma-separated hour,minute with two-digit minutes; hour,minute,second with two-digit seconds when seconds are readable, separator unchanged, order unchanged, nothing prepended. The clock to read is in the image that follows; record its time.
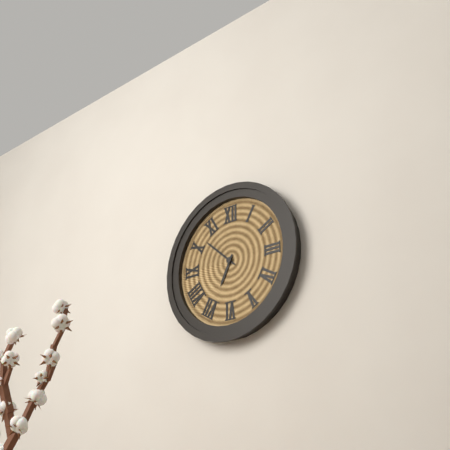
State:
6,52
